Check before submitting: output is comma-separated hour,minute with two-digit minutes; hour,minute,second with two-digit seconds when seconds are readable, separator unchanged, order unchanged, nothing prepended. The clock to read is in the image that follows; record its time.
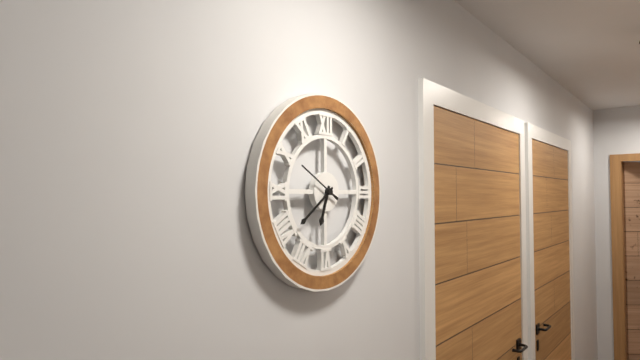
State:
6,39
